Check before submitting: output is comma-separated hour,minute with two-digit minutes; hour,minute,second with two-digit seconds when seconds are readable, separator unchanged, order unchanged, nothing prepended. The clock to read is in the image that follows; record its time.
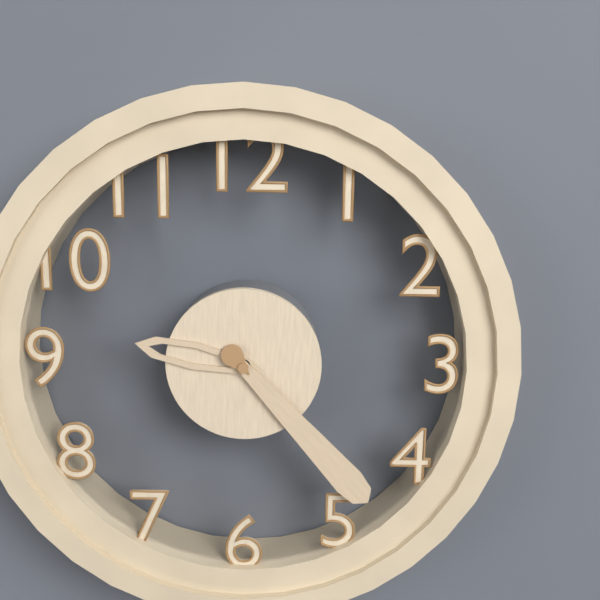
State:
9,23
